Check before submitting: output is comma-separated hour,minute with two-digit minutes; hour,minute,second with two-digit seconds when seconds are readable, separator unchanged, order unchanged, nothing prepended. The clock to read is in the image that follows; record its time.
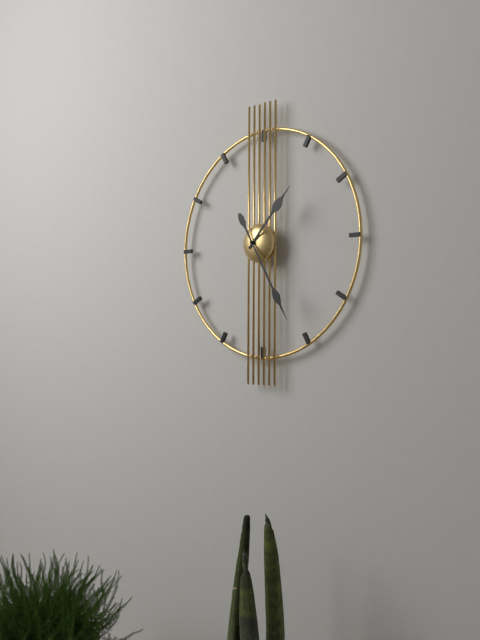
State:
1,25
